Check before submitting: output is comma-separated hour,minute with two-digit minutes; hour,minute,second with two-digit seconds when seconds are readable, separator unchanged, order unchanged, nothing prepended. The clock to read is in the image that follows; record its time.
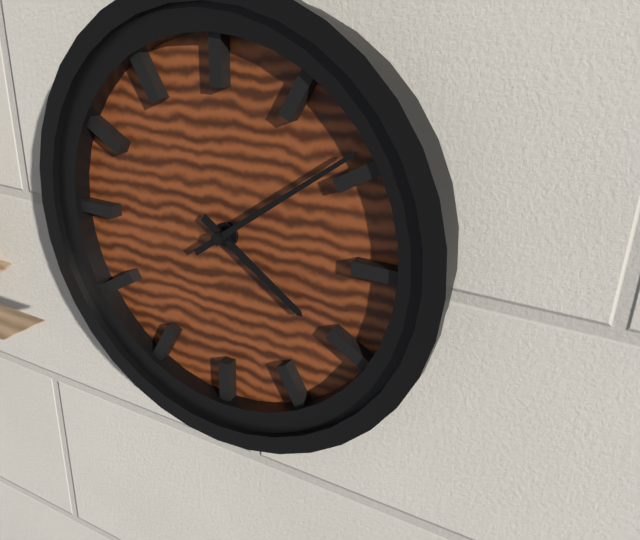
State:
4,09
